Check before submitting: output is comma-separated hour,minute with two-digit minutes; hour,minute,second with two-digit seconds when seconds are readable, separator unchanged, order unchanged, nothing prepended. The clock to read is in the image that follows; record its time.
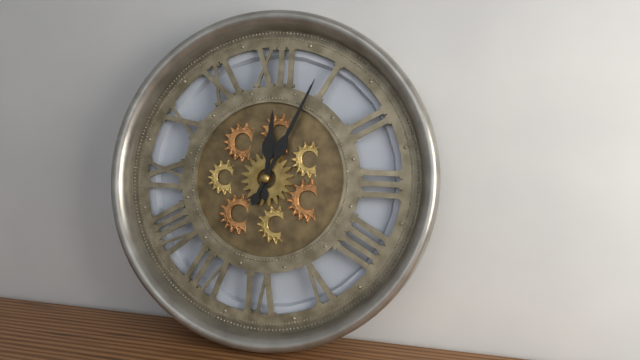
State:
12,04
